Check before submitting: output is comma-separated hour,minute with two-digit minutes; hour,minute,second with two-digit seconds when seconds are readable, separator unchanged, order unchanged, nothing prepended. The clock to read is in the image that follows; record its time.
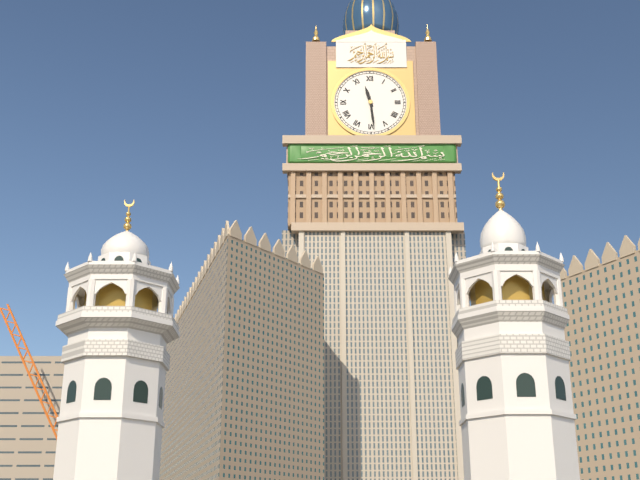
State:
11,29
